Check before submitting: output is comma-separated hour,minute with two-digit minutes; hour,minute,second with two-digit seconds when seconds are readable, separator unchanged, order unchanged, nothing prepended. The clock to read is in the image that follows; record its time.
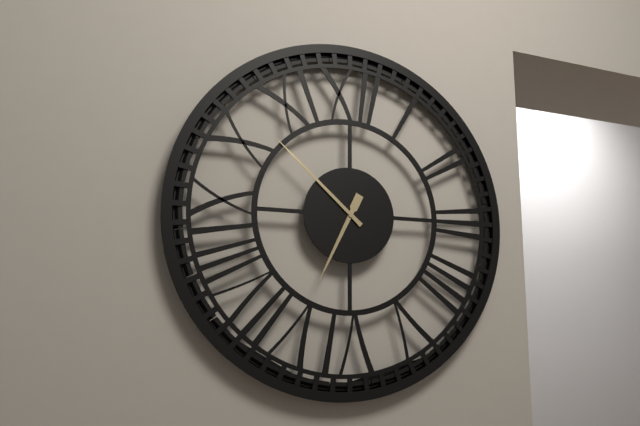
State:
6,52
